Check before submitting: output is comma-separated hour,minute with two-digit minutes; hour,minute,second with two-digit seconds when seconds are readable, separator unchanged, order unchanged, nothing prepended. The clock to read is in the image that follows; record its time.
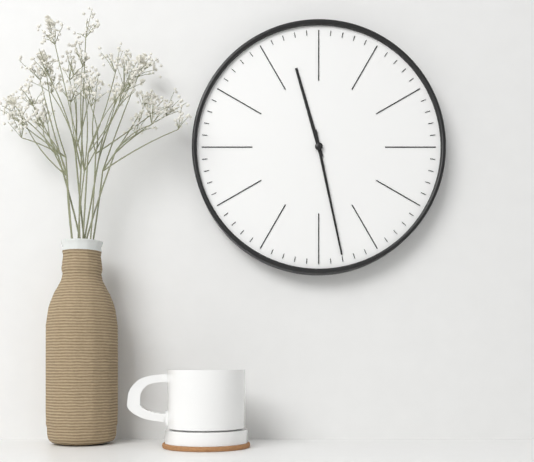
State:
11,28
